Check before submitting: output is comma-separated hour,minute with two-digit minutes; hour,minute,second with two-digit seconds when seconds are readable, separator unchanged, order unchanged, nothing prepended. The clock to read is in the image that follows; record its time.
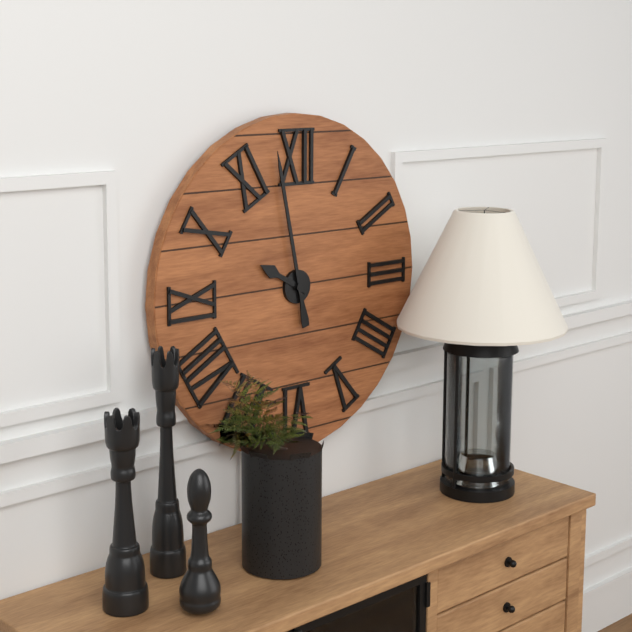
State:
9,58
